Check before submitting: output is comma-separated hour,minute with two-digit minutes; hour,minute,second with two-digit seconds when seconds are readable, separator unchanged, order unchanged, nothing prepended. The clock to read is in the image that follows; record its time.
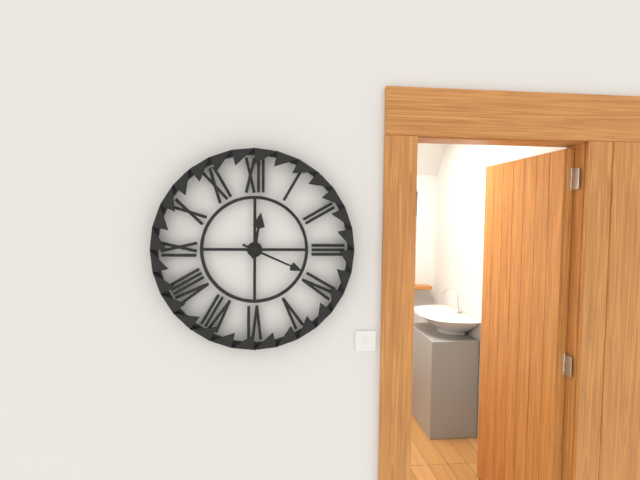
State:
12,19
